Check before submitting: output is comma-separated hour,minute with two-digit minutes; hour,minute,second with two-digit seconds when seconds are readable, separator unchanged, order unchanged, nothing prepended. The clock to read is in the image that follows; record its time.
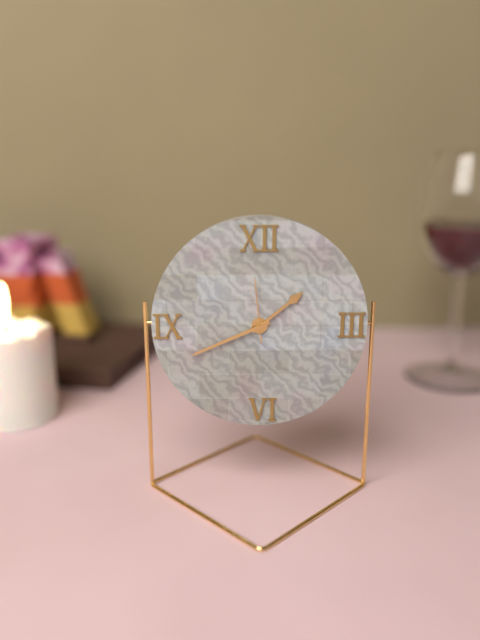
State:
1,41,59
